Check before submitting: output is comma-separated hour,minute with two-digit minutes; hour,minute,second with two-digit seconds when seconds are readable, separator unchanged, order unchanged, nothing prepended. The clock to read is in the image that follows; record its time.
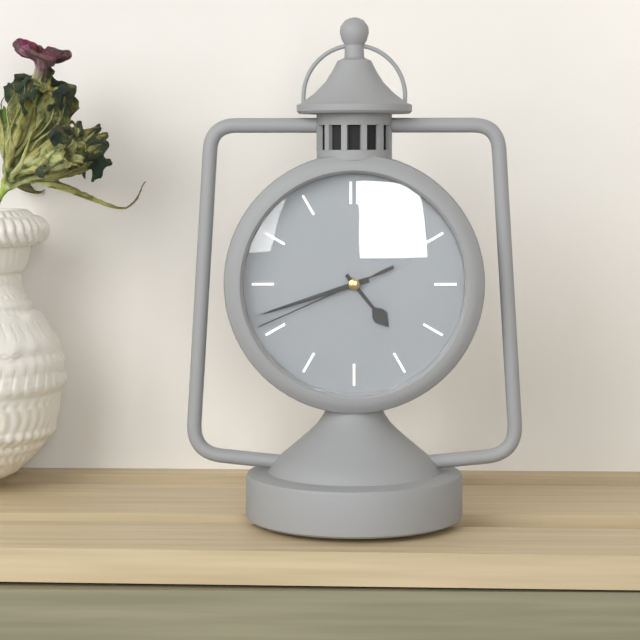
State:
4,42,41
